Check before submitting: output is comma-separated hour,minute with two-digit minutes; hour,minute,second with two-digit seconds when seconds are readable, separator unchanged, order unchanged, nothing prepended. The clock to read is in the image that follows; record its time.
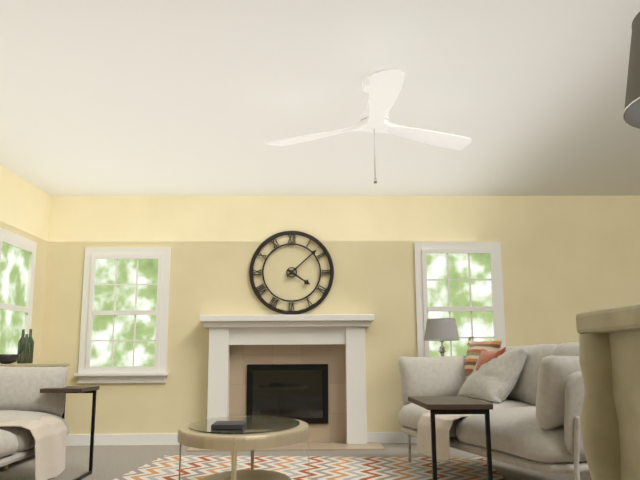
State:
4,08
